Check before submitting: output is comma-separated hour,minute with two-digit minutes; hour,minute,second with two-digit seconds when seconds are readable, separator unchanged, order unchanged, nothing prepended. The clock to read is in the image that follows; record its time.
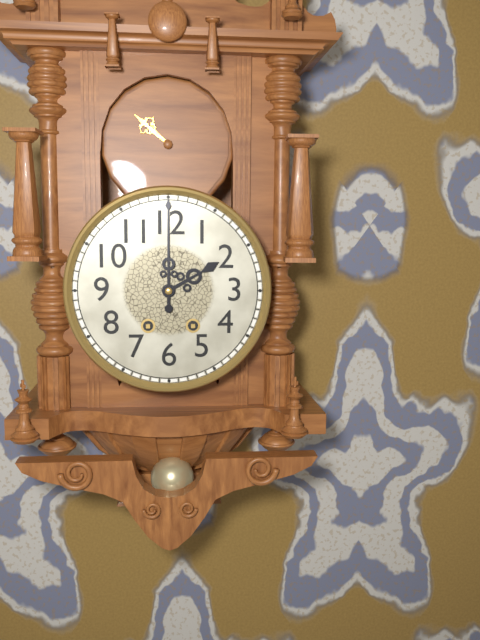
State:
2,00
